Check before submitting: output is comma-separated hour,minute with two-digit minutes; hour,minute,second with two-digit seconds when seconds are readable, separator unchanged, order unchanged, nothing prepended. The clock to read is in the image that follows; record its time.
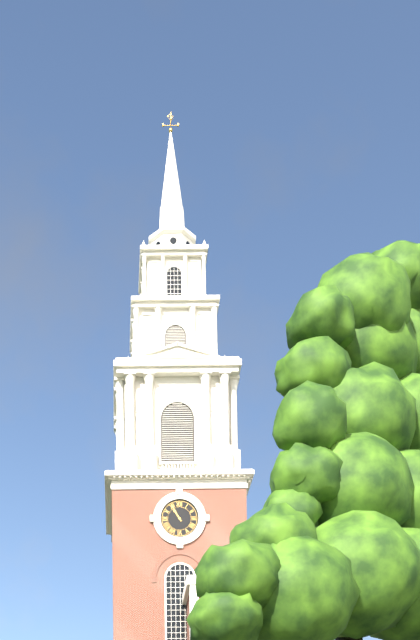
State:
10,55
